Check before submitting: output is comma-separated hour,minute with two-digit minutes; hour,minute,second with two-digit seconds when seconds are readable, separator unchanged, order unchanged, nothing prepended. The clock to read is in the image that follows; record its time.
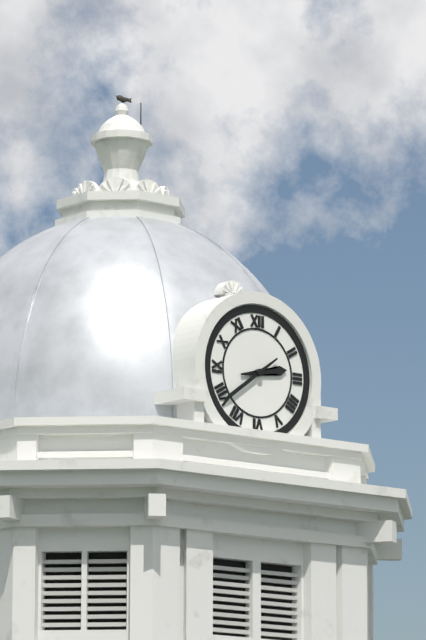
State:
2,39
